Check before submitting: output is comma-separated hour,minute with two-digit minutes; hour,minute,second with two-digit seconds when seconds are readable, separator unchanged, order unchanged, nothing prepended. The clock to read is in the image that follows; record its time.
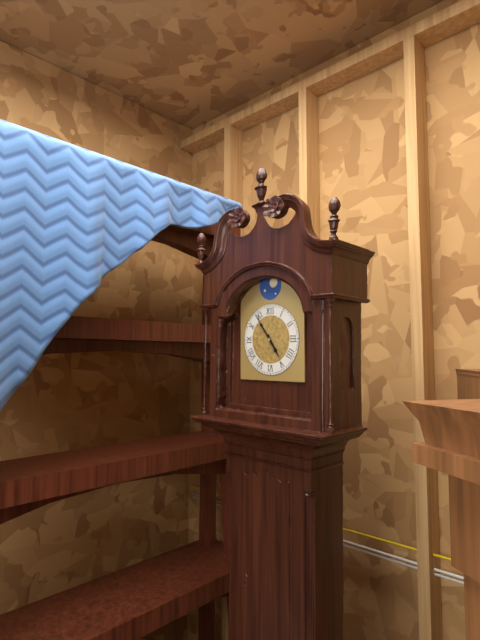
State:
4,54
